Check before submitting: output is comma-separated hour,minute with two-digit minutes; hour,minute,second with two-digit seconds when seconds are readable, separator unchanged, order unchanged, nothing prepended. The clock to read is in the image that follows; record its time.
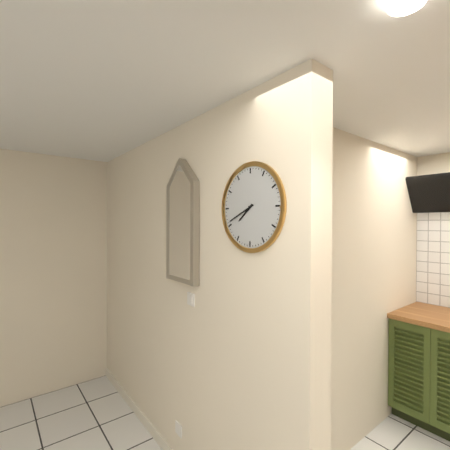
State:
7,41
